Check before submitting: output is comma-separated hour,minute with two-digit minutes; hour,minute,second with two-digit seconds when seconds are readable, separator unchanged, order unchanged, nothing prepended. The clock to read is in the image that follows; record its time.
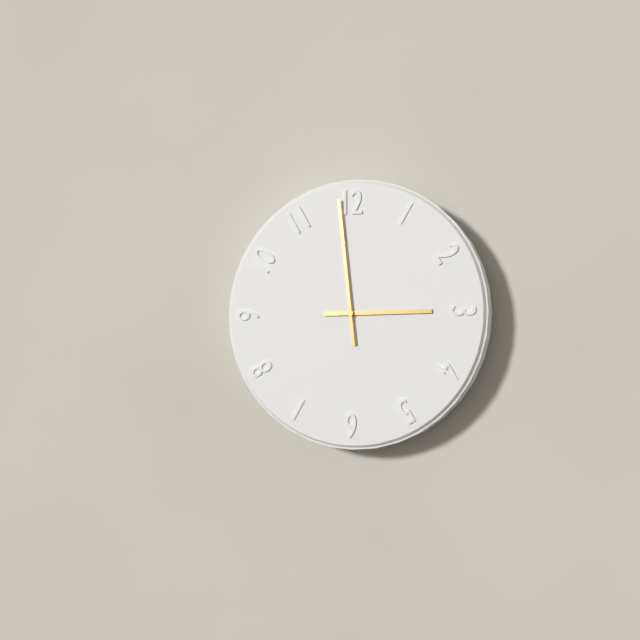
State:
2,59
